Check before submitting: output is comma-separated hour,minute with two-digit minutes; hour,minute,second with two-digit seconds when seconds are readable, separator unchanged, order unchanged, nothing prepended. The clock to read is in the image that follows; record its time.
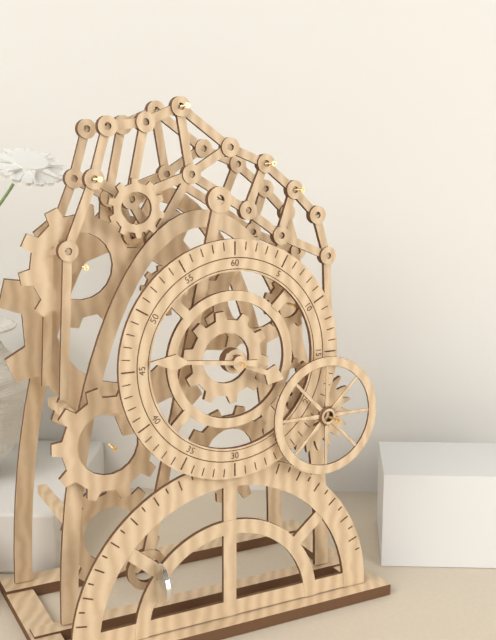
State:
3,46
